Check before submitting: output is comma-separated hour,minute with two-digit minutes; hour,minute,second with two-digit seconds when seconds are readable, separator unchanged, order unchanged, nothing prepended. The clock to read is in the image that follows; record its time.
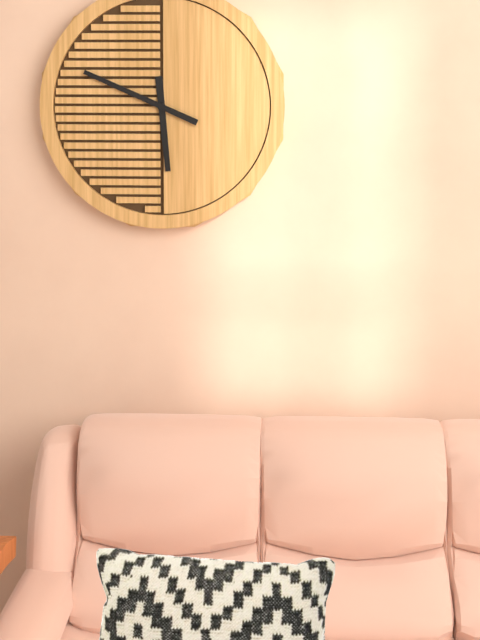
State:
5,49
